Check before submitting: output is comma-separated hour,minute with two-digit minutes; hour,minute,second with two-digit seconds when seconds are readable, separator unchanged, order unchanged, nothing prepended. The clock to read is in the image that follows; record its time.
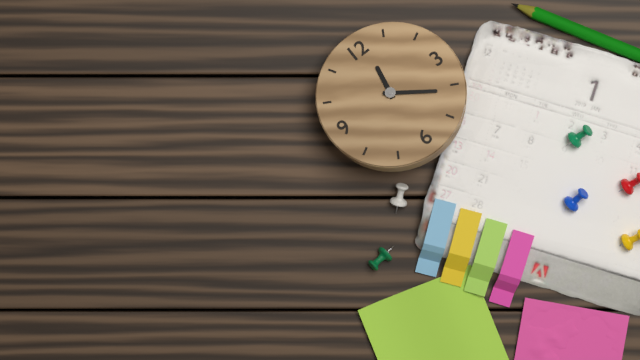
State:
12,21
